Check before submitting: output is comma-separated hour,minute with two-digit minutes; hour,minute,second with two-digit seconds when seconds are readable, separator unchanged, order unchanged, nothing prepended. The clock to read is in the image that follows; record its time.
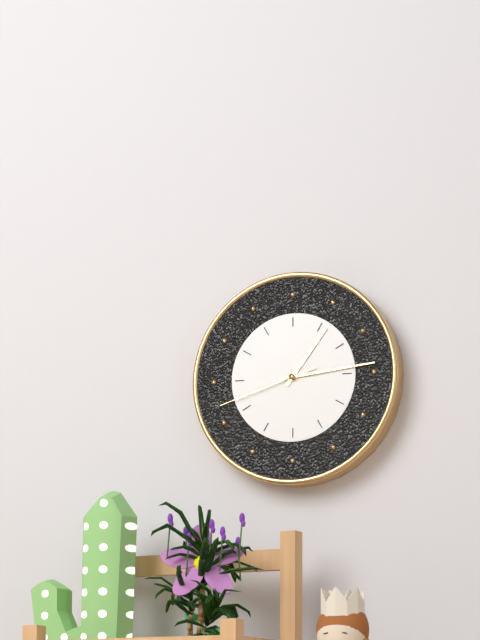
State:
1,14,42
